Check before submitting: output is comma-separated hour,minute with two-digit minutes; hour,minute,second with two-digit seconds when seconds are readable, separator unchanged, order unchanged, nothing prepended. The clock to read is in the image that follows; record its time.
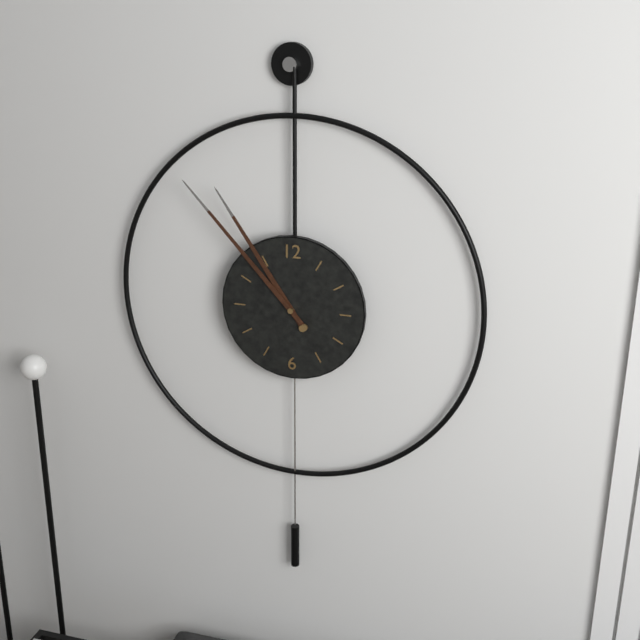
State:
10,53
